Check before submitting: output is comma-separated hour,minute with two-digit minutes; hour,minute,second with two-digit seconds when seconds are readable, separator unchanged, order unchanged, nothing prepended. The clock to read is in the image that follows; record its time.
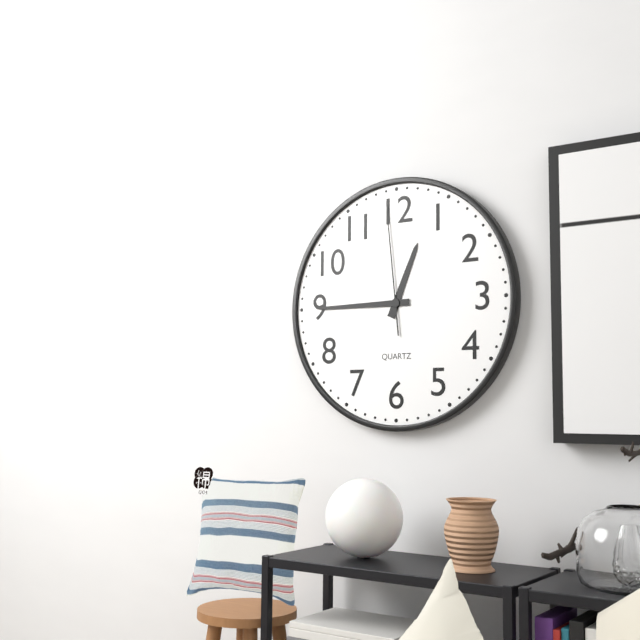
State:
12,45,59
